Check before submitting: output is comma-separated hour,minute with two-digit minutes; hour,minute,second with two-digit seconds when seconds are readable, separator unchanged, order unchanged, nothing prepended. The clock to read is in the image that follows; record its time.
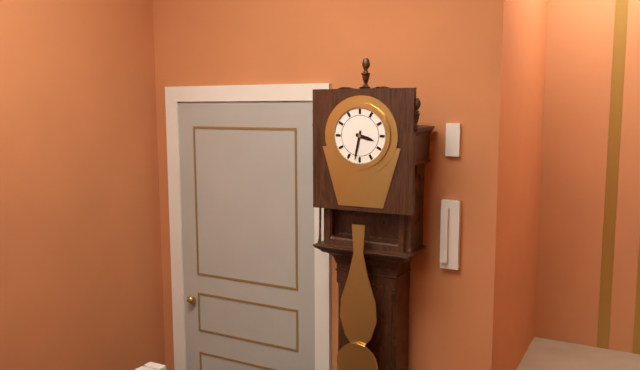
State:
3,32
